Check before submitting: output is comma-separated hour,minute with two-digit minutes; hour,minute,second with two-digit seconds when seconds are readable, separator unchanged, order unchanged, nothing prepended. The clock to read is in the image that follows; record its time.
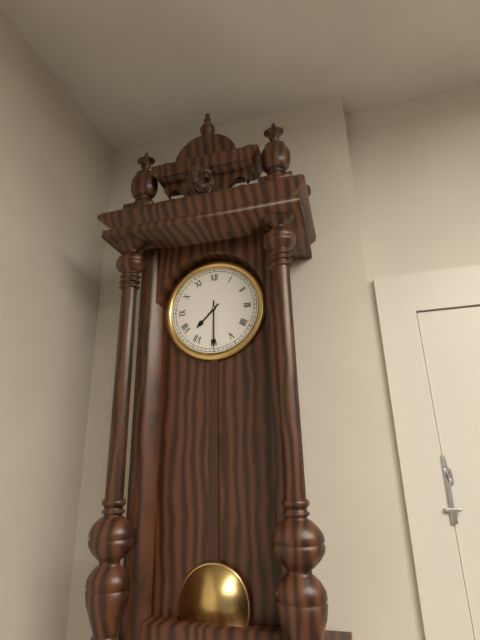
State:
7,30
